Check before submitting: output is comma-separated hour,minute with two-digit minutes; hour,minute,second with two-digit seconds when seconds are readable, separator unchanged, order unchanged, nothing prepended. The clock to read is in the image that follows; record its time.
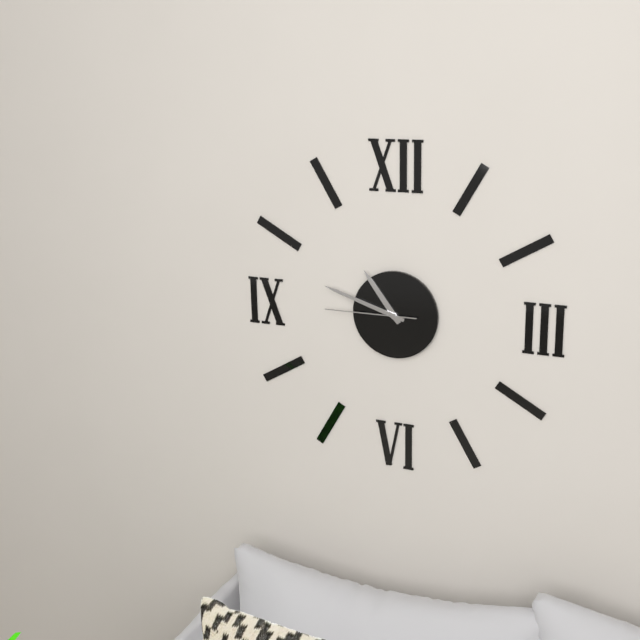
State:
10,48,45
